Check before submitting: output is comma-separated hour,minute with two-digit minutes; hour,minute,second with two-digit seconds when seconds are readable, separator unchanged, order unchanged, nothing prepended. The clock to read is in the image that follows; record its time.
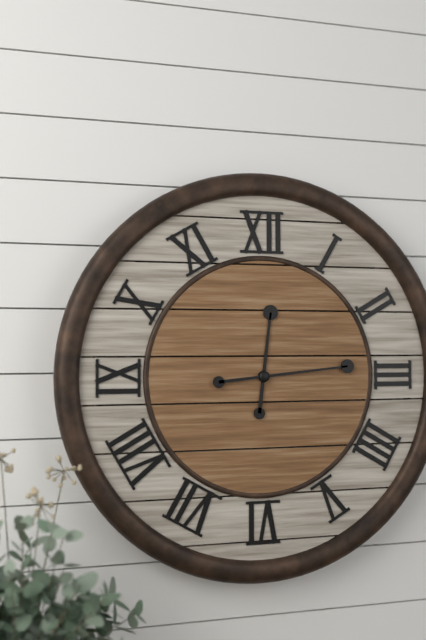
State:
12,14
